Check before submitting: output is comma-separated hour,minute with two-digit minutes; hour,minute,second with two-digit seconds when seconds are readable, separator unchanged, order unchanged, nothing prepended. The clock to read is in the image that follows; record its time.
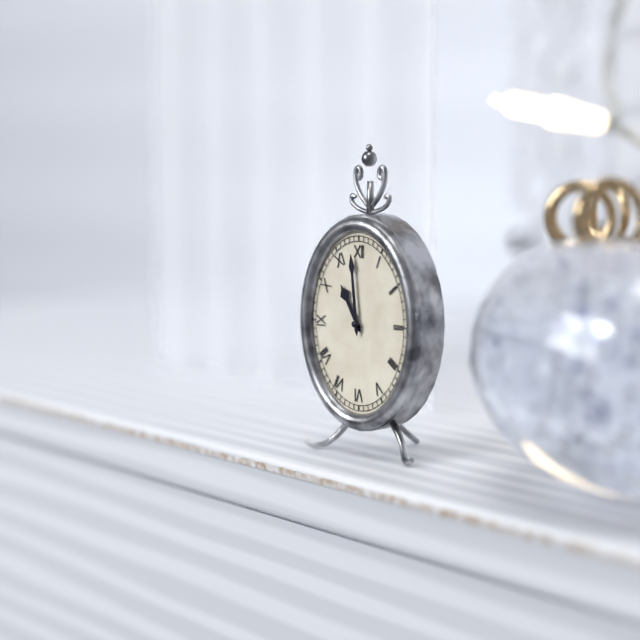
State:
10,59
